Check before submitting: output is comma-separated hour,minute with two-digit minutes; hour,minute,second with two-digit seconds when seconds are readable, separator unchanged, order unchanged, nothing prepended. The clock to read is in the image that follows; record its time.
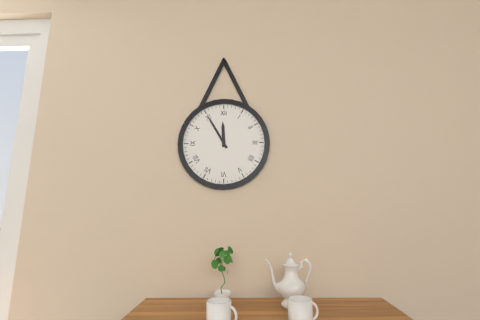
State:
11,55
